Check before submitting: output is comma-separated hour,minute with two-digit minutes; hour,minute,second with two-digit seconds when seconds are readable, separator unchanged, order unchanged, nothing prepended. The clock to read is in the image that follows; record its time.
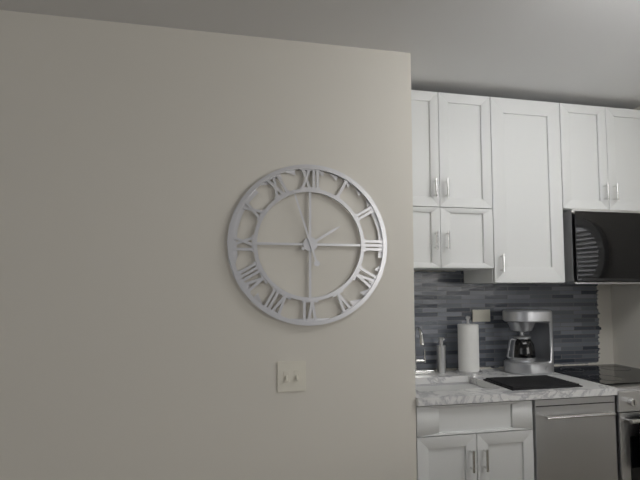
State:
1,57
